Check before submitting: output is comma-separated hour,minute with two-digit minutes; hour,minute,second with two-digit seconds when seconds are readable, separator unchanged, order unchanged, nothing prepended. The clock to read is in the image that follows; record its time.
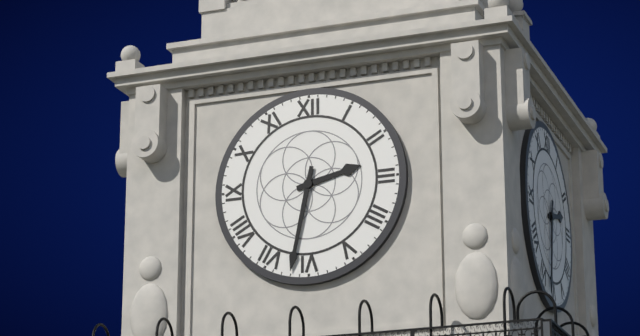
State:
2,32
